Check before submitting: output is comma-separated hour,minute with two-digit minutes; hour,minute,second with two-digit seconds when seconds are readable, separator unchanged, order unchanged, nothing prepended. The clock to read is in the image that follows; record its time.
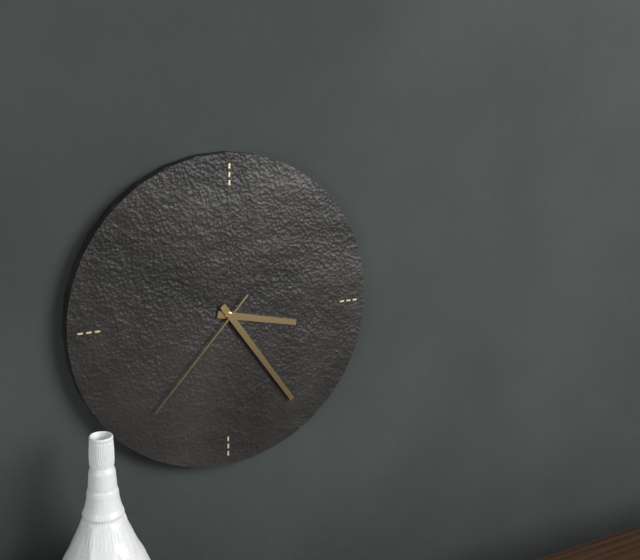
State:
3,24,37
